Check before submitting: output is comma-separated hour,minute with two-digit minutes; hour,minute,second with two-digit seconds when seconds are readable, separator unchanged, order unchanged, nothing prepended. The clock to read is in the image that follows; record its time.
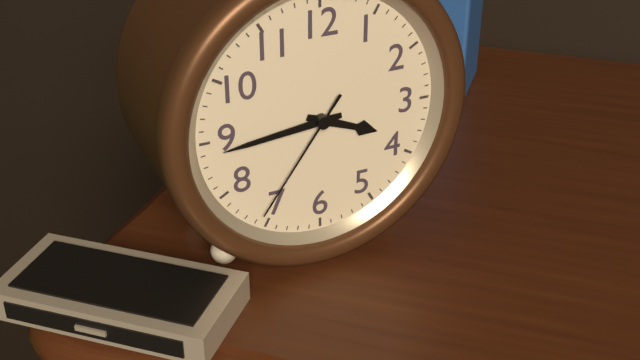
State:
3,44,36
